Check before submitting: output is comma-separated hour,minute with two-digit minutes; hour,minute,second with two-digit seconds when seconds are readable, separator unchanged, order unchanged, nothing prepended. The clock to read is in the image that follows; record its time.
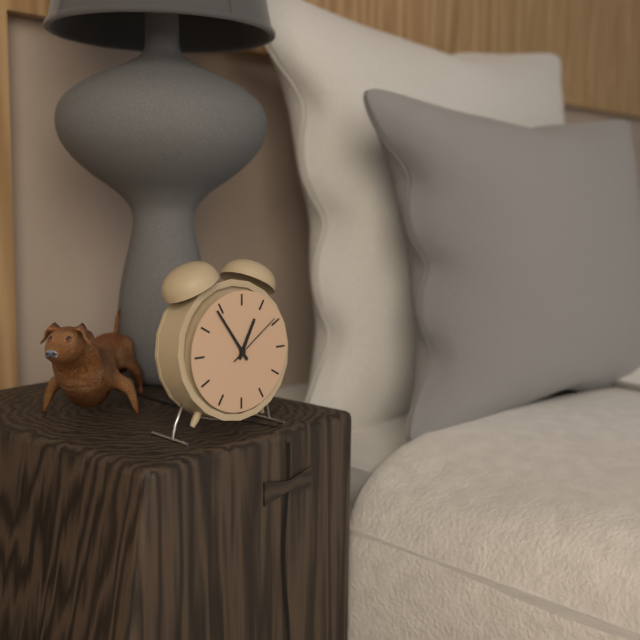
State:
12,54,09
